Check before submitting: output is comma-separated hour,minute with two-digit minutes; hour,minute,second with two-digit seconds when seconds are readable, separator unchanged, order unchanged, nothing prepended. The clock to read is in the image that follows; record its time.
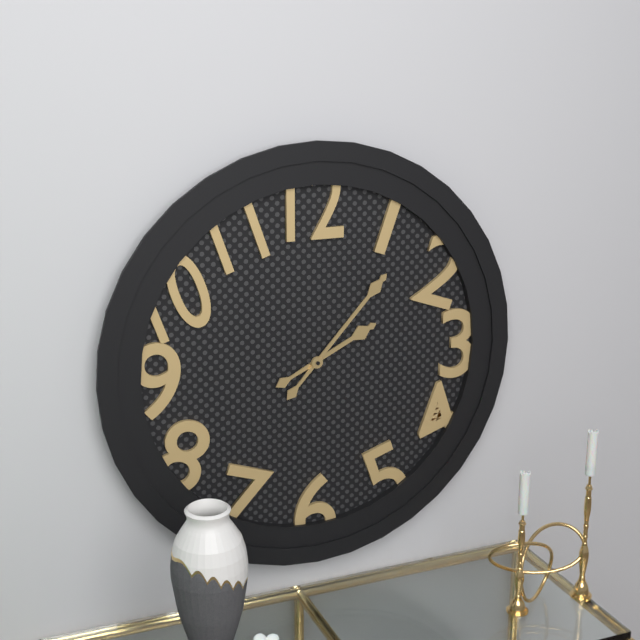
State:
2,07
